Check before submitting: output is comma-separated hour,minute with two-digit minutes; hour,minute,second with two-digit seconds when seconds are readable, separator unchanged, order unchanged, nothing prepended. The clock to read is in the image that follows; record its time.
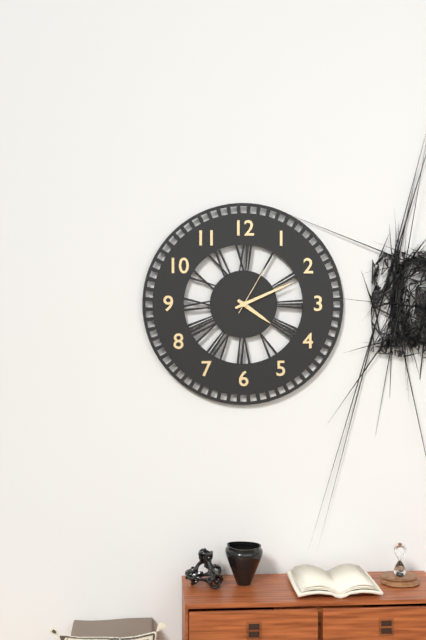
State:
4,11,05
